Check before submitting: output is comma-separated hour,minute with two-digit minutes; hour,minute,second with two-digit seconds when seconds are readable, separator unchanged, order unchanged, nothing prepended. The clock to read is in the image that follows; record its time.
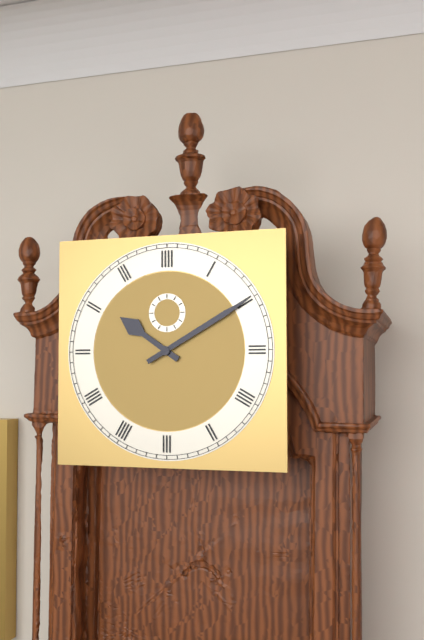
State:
10,10
